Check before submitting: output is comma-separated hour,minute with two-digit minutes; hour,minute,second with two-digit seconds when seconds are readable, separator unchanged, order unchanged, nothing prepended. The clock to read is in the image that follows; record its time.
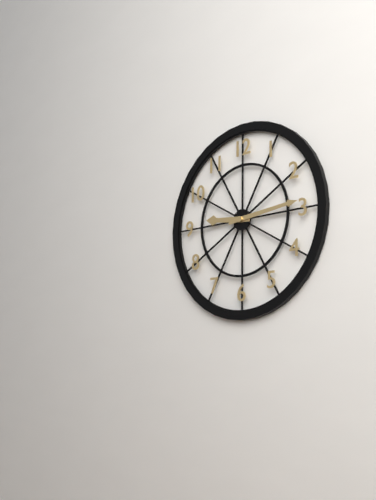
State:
9,14
